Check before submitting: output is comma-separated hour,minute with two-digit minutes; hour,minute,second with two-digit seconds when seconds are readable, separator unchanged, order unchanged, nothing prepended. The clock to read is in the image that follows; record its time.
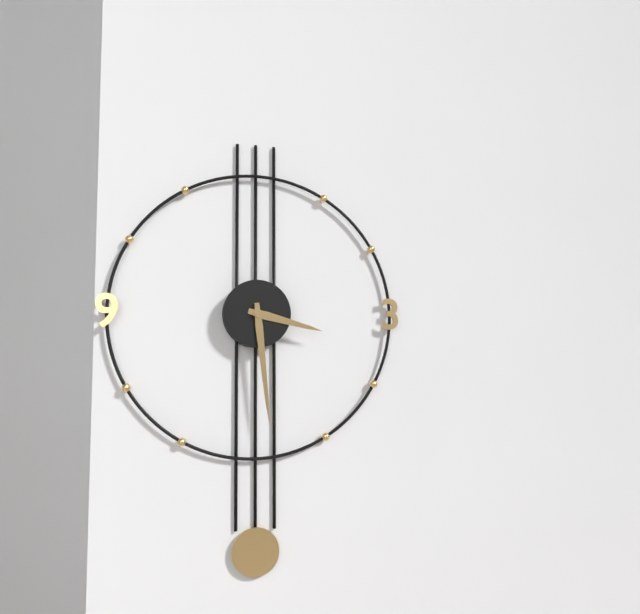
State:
3,29
